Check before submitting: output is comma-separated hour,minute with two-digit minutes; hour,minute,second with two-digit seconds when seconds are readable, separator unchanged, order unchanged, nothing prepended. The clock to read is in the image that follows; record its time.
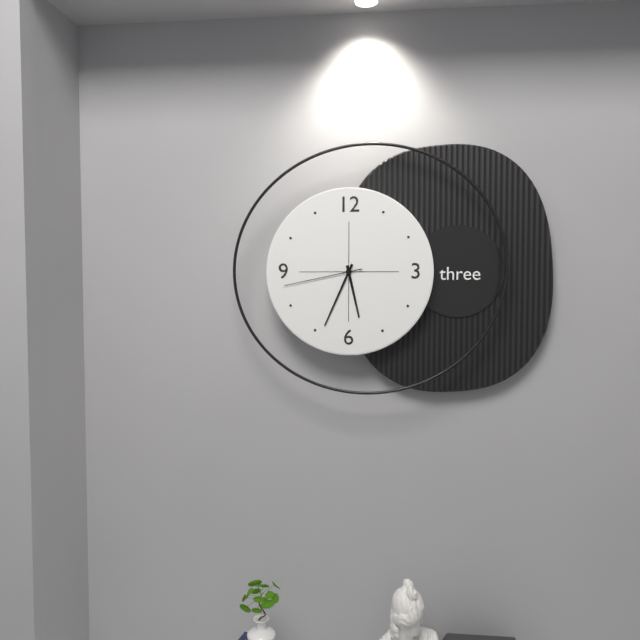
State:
5,34,43
